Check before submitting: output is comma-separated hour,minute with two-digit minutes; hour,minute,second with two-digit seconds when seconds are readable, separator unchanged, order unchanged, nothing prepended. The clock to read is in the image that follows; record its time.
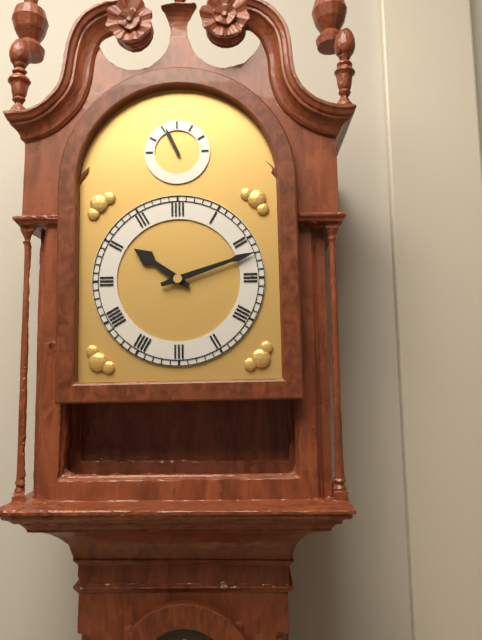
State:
10,12
